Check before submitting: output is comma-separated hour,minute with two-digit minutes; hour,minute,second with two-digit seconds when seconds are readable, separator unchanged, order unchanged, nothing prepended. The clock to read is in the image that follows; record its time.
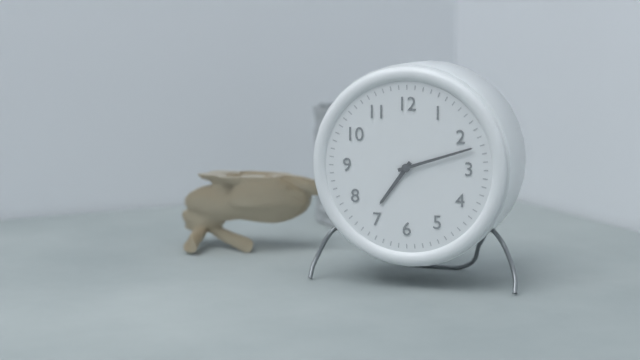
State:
7,12
